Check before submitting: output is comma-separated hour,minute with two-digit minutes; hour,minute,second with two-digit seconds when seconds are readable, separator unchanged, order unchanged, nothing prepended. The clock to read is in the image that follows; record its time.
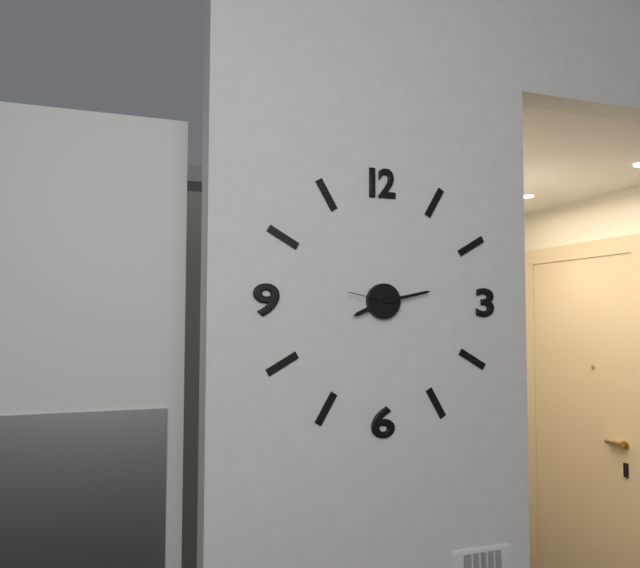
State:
8,13
